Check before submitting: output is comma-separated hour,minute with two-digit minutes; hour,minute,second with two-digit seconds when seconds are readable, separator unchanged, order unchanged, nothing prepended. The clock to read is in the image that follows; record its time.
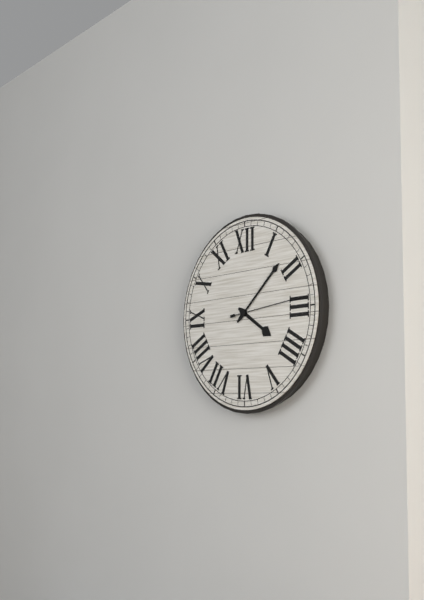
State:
4,08,14
